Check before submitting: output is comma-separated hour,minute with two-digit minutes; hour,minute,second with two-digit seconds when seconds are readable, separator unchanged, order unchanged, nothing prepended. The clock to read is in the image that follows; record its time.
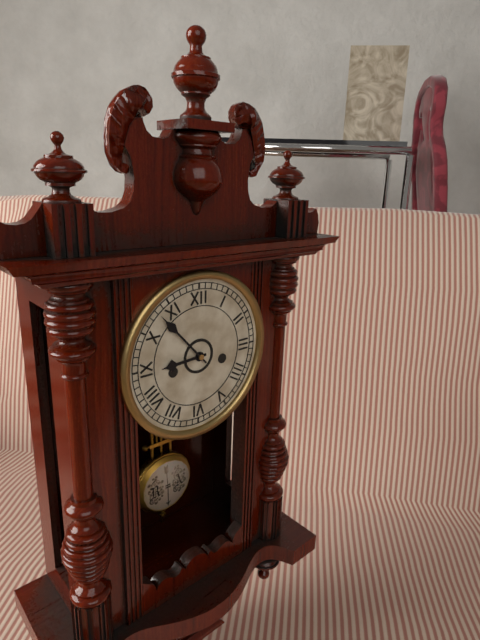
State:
8,53
